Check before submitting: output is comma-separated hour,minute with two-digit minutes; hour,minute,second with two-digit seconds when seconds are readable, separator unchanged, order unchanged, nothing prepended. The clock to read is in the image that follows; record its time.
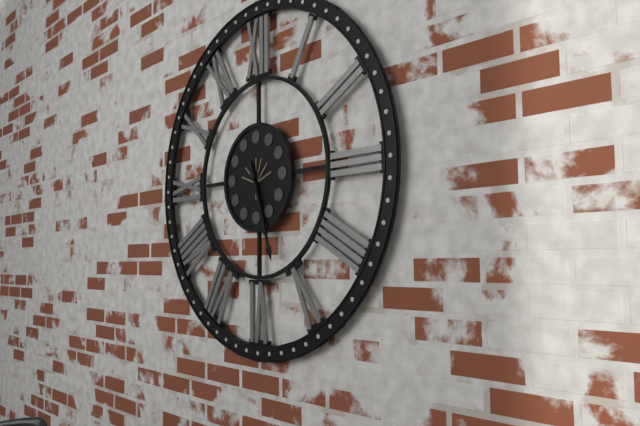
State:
5,27
